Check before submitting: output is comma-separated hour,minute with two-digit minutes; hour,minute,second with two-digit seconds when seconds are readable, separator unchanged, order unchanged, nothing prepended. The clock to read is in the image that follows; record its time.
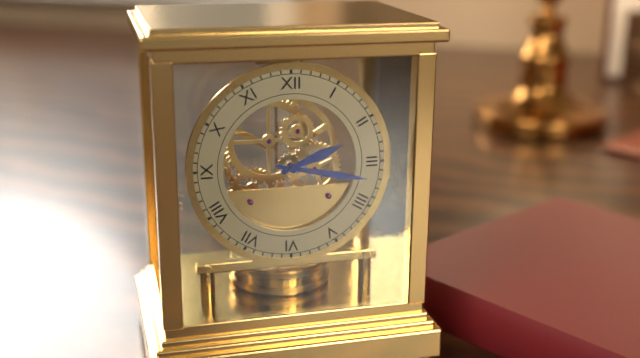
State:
2,17
